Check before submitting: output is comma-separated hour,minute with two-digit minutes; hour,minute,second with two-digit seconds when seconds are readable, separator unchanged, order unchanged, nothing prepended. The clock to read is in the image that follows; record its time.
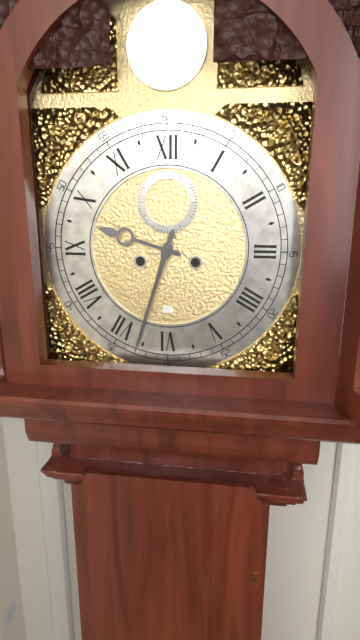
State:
9,33
